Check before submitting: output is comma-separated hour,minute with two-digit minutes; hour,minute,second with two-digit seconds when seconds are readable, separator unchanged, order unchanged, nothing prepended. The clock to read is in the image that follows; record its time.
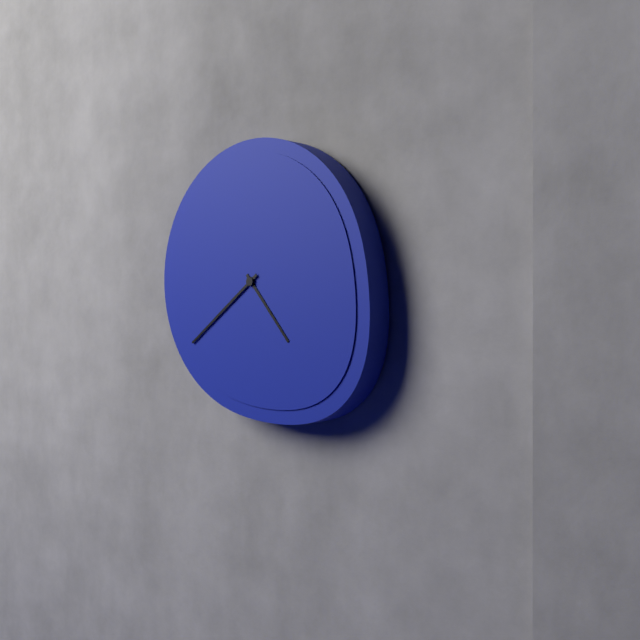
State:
4,39
